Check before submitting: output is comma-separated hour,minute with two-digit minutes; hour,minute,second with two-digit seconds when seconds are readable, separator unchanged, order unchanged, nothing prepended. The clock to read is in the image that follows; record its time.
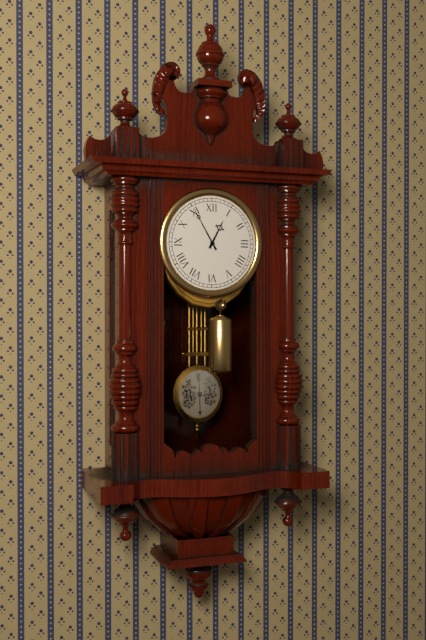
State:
12,55
